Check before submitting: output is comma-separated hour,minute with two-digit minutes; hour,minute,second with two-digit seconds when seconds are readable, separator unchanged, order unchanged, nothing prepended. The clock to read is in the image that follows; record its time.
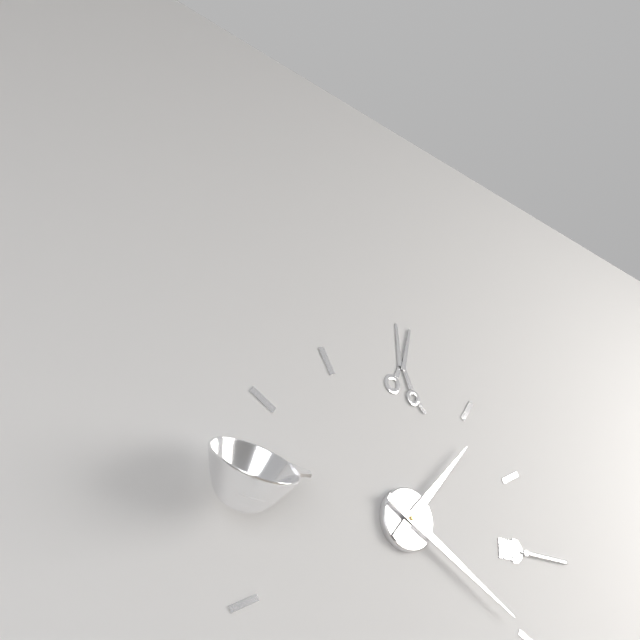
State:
1,20
